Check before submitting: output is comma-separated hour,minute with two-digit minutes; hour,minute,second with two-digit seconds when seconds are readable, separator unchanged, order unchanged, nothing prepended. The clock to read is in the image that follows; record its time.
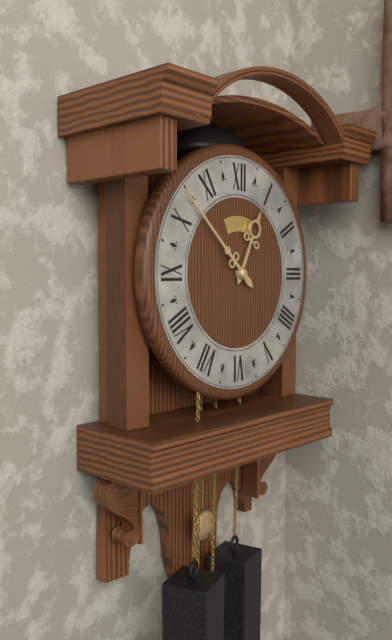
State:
12,52
